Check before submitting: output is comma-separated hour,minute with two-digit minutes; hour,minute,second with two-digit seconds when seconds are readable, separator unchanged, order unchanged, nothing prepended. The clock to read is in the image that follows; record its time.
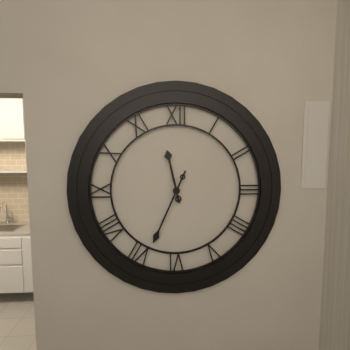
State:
11,34
